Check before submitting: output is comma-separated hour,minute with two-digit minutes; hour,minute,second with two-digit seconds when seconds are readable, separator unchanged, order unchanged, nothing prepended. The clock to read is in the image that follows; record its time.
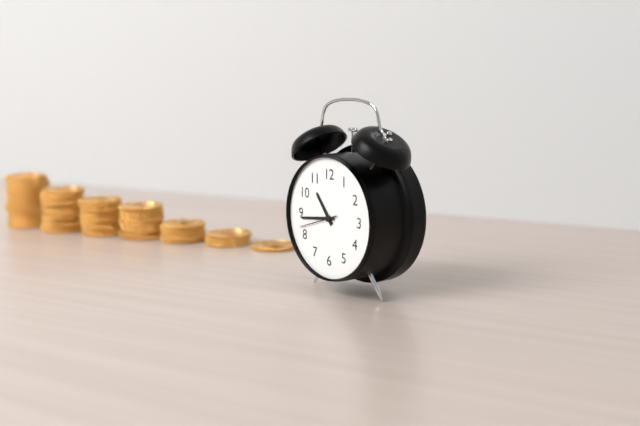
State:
10,44
